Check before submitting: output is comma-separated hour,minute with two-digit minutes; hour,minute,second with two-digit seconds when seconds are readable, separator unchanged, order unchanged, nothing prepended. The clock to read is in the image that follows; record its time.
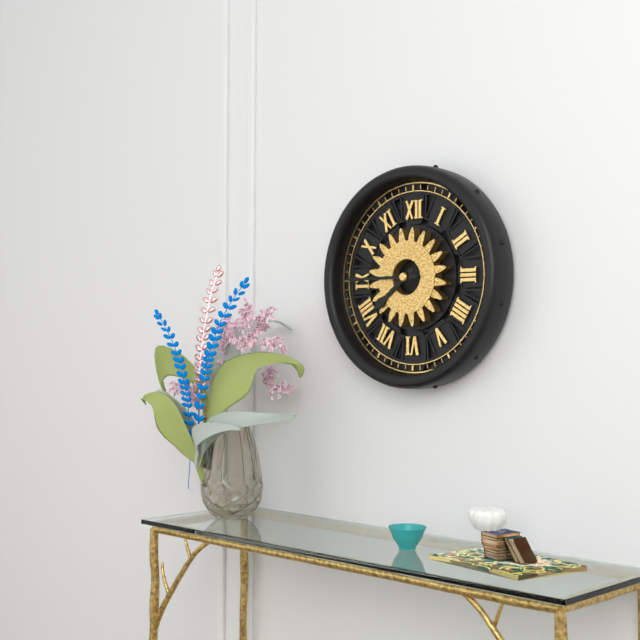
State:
7,45
